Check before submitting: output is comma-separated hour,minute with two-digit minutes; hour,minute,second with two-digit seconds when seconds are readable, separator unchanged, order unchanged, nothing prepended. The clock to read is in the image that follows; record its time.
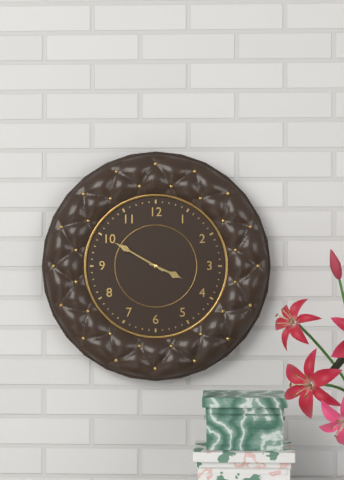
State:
3,50
